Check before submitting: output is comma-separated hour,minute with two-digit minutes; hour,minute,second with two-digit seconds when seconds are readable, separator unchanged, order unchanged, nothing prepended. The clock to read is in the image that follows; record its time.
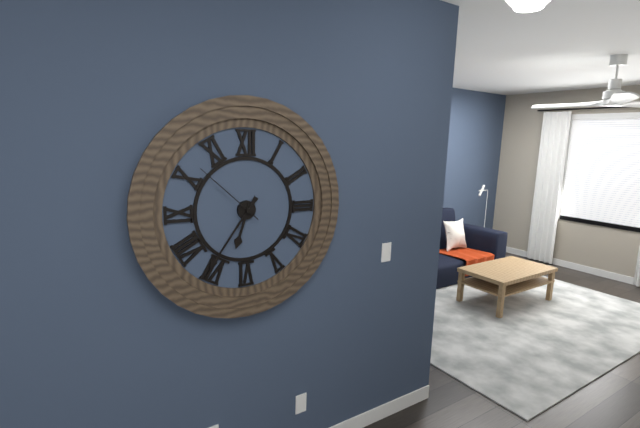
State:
6,36,52
